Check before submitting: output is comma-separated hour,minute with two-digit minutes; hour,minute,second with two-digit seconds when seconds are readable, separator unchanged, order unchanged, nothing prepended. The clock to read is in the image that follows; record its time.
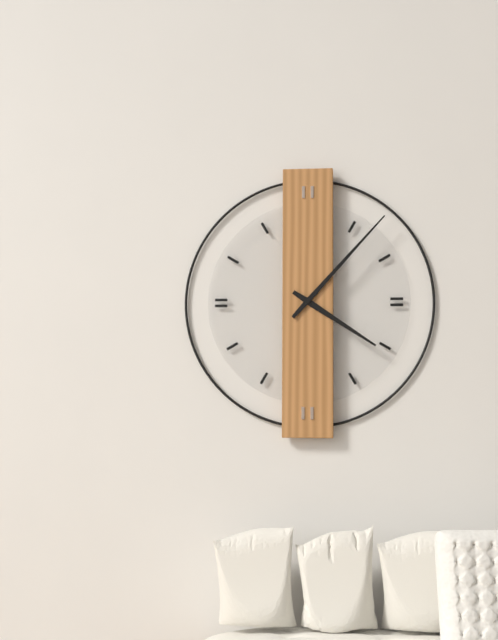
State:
4,07
